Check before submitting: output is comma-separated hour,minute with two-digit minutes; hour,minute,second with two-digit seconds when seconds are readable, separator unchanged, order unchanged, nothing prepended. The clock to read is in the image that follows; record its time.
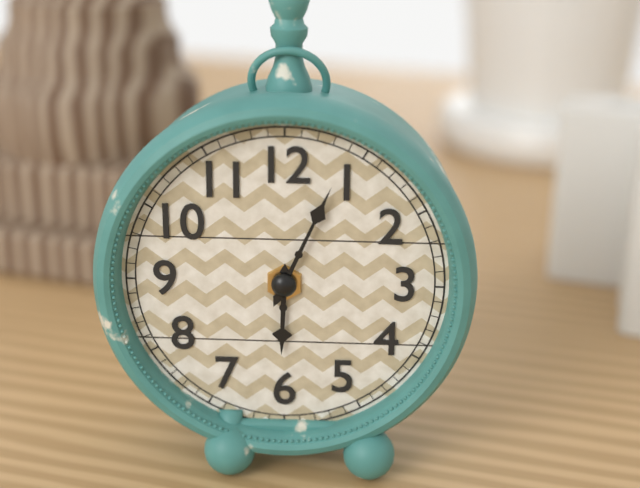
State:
6,04
